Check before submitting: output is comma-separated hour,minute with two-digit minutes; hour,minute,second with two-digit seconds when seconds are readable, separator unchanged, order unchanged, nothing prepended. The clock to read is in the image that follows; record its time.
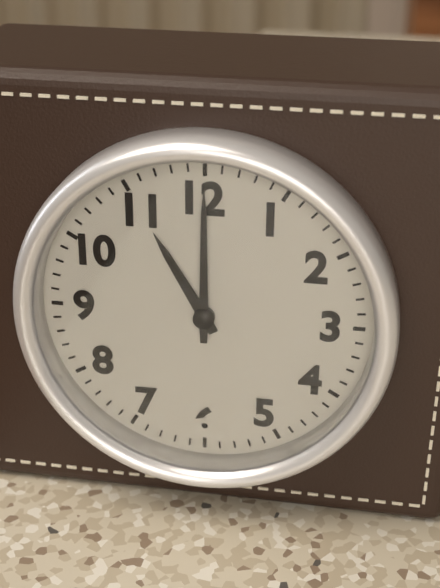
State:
11,00
